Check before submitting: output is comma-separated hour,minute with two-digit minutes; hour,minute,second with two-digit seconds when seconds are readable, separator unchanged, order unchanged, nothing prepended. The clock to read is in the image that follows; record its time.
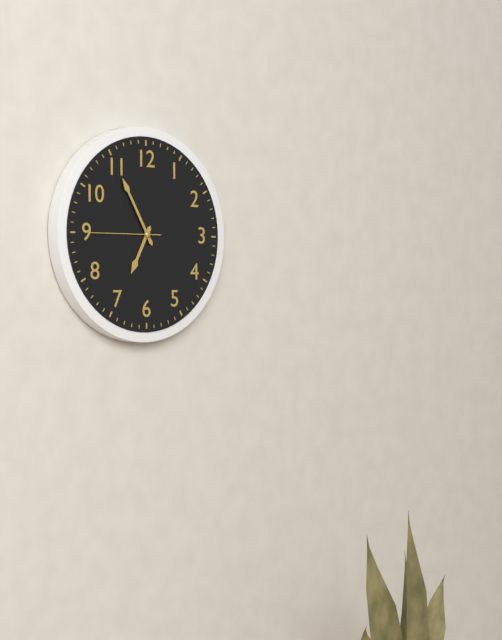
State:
6,55,45
